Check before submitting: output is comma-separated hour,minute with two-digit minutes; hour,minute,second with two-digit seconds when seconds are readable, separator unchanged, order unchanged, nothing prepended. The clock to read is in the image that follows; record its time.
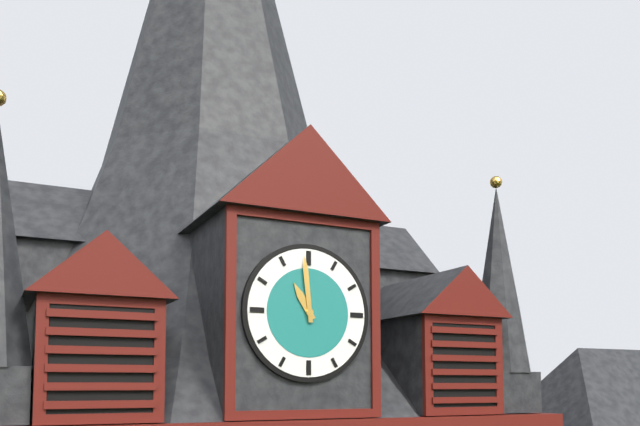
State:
10,59
